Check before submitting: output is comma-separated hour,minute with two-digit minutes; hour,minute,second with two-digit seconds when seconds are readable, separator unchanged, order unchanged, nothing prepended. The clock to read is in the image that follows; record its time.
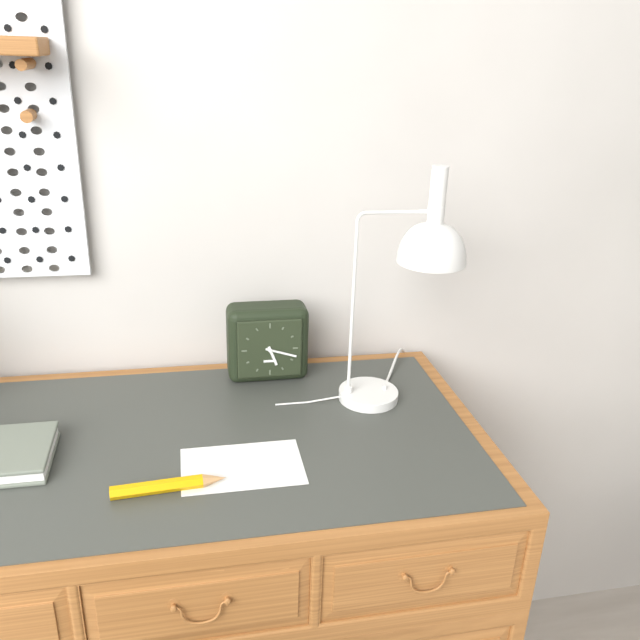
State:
5,18
